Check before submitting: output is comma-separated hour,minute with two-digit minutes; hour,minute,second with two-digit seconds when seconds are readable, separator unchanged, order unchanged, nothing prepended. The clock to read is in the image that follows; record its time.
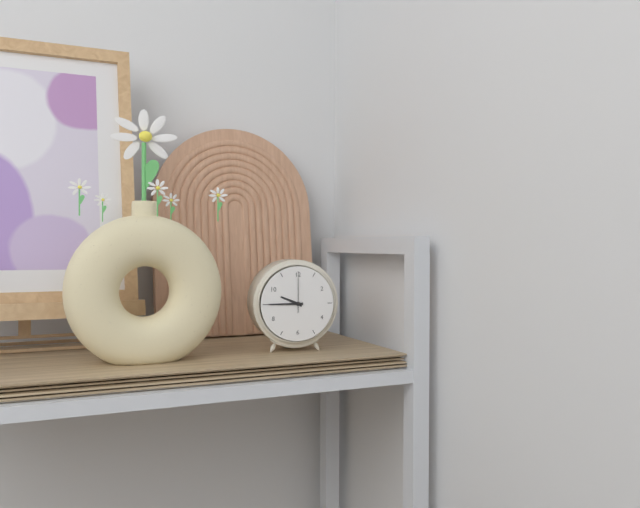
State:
9,45
